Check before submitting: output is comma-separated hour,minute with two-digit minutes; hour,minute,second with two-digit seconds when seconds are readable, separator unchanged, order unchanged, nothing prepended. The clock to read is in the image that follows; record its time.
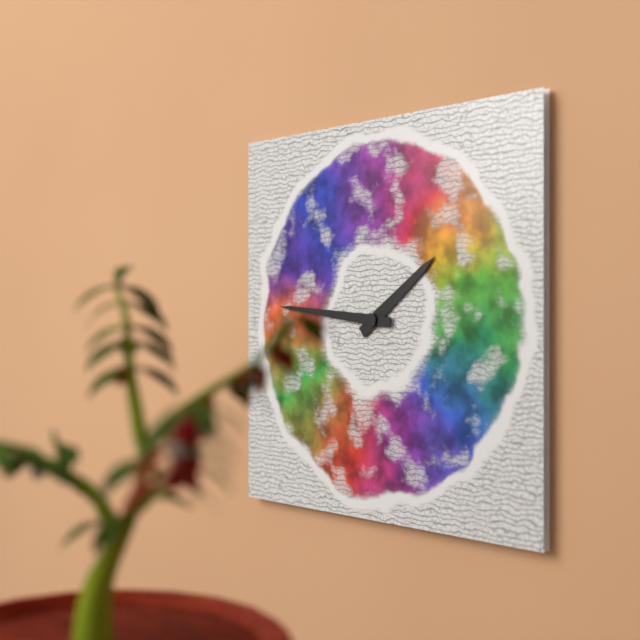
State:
1,46
